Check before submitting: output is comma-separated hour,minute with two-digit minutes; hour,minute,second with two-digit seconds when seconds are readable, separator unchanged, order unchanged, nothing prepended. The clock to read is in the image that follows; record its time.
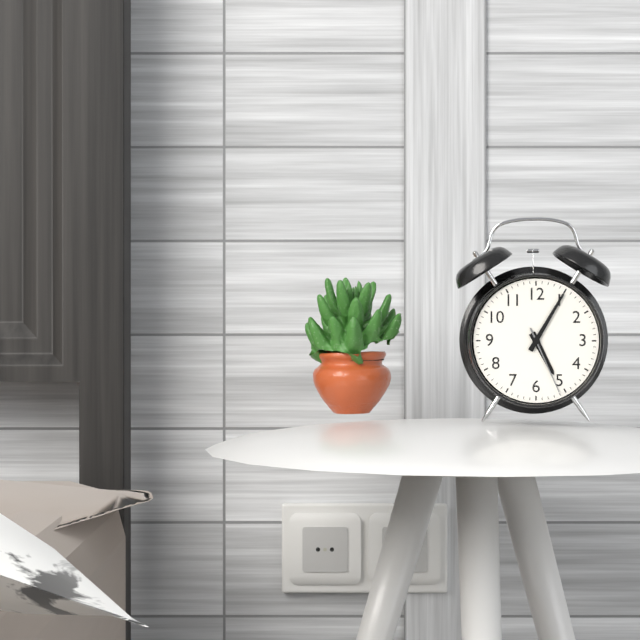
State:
5,05,26
